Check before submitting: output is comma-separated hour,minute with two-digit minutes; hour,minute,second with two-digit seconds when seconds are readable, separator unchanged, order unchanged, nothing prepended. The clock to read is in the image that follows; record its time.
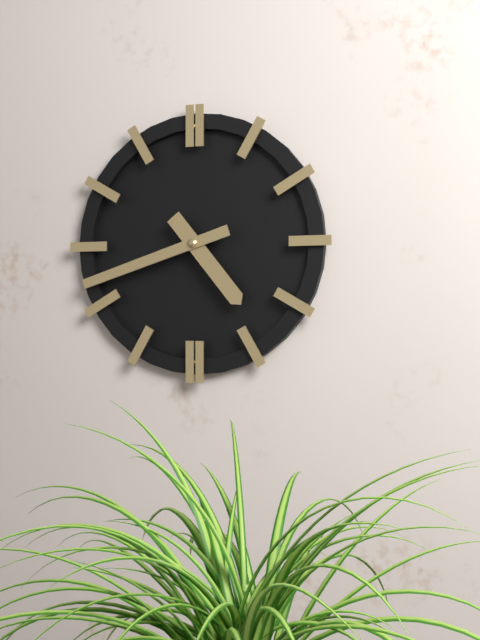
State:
4,42
